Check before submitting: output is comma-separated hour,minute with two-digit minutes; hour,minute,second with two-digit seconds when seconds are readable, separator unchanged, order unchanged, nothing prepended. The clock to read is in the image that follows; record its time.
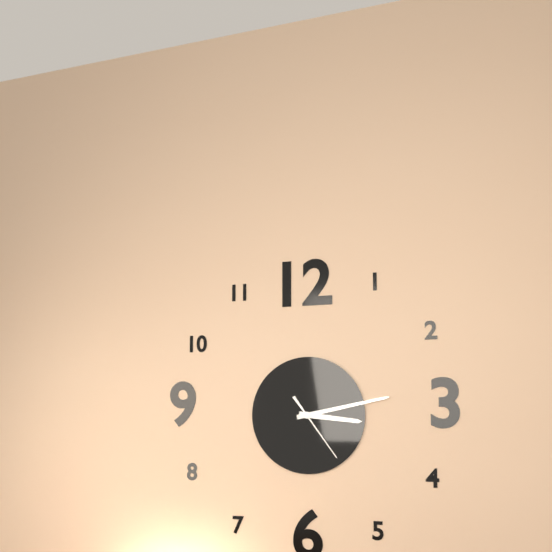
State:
3,13,24
